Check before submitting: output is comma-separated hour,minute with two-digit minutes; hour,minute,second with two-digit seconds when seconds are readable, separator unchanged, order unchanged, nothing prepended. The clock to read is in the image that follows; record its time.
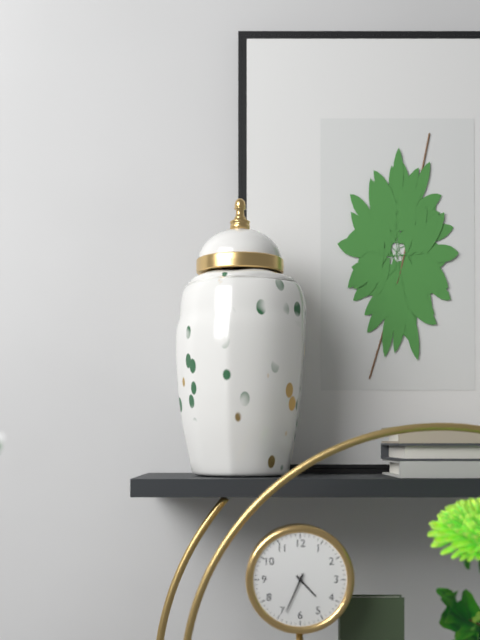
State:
4,34
